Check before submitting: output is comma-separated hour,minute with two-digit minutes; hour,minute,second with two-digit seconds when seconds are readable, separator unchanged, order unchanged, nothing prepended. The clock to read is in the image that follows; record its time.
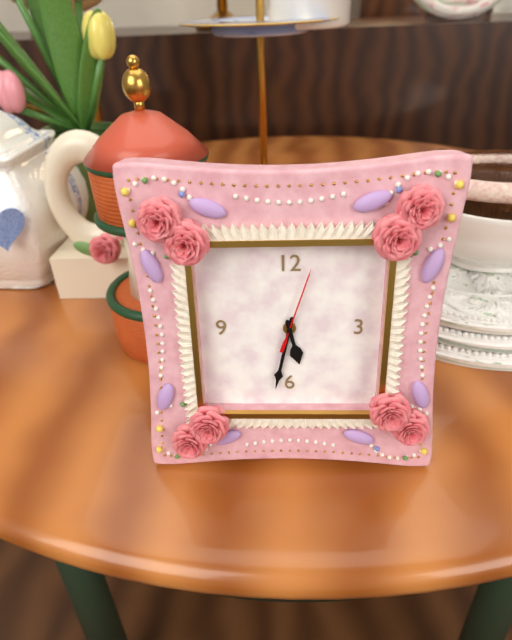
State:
5,32,03
